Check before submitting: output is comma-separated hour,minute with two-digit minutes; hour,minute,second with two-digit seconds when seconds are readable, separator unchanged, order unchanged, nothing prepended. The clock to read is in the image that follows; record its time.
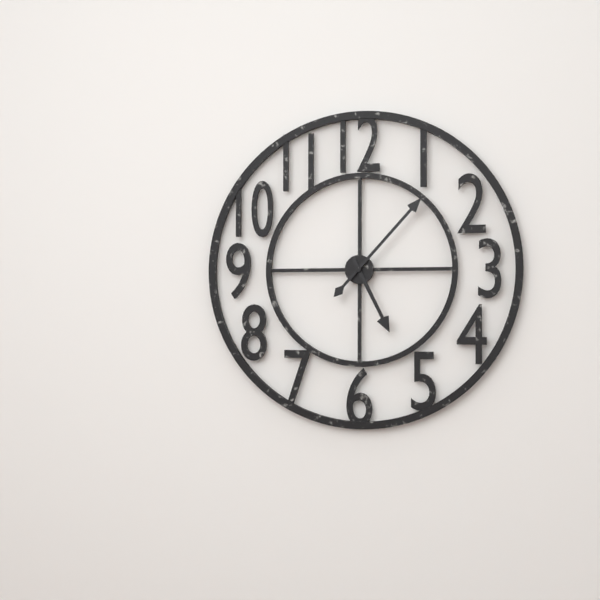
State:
5,07
